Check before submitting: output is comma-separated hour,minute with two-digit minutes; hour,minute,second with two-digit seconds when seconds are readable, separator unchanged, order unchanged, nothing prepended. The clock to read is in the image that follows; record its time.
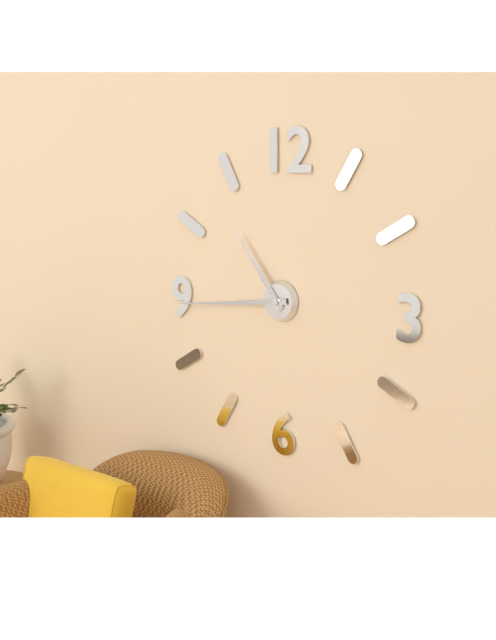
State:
10,44
